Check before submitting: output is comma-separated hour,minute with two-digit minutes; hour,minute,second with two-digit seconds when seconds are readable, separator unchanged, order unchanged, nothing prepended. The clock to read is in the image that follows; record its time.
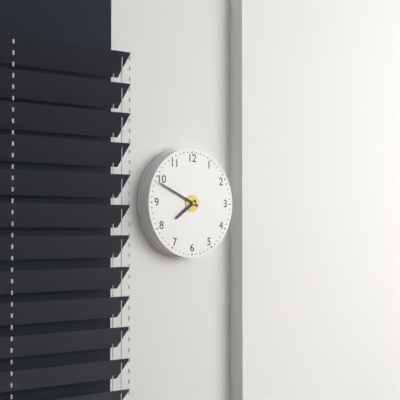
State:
7,49
